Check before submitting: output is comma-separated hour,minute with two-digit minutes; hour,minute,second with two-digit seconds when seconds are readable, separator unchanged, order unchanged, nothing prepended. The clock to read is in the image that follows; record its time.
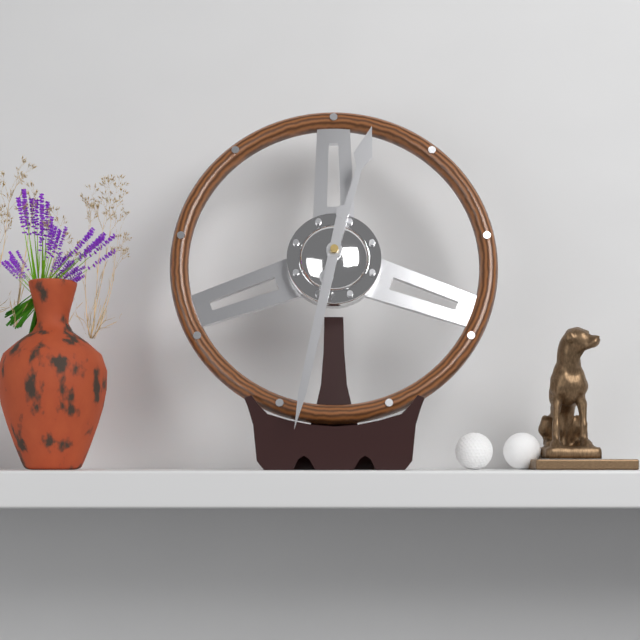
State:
12,32
